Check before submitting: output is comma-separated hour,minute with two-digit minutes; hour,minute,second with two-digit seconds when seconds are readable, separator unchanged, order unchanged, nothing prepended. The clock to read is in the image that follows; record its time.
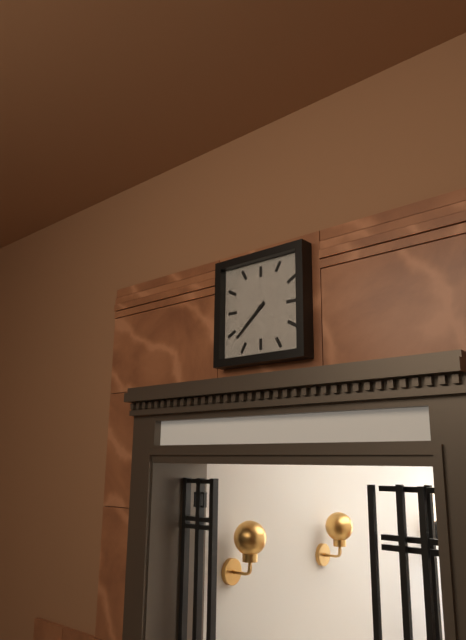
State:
7,38
